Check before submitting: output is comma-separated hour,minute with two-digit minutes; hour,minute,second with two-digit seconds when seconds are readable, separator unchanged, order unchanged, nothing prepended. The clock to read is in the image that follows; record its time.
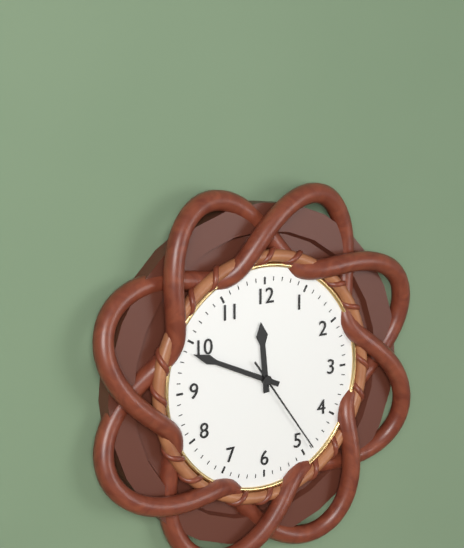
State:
11,49,24
